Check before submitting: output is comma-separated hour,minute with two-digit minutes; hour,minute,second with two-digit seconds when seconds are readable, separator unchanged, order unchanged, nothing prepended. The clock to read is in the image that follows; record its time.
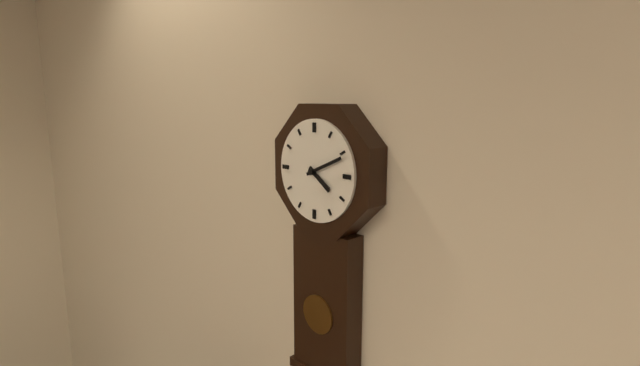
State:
4,11
